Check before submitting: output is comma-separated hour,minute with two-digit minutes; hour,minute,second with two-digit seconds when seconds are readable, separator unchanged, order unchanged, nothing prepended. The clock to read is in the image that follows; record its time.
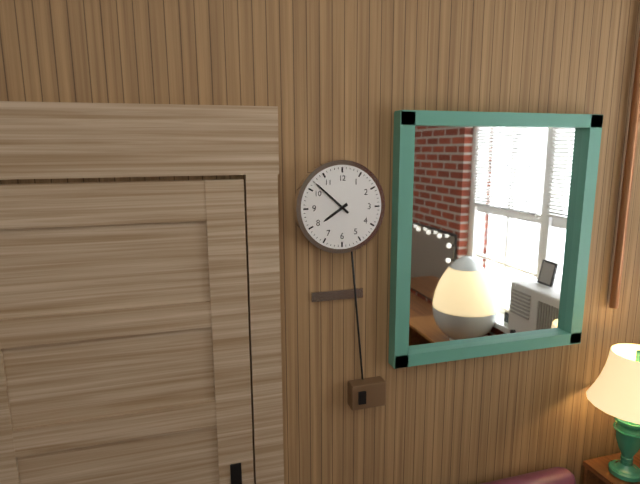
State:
7,52
